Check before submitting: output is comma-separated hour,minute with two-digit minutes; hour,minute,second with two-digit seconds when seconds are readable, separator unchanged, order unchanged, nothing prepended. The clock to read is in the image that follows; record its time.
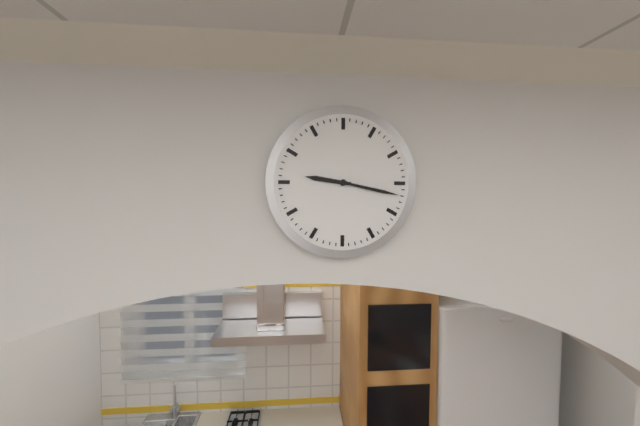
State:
9,17
